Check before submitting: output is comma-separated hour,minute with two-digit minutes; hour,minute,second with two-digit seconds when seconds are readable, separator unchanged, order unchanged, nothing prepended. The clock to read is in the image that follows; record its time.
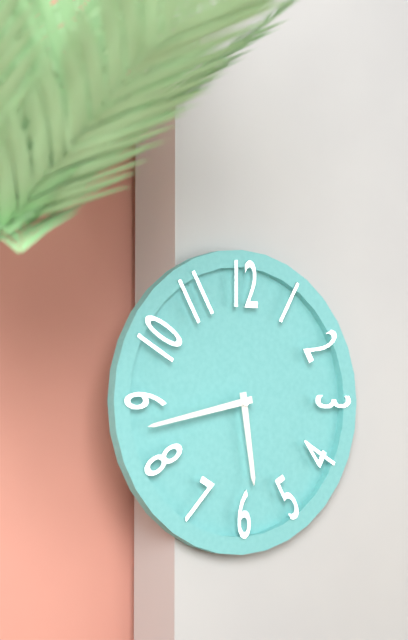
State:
5,43
